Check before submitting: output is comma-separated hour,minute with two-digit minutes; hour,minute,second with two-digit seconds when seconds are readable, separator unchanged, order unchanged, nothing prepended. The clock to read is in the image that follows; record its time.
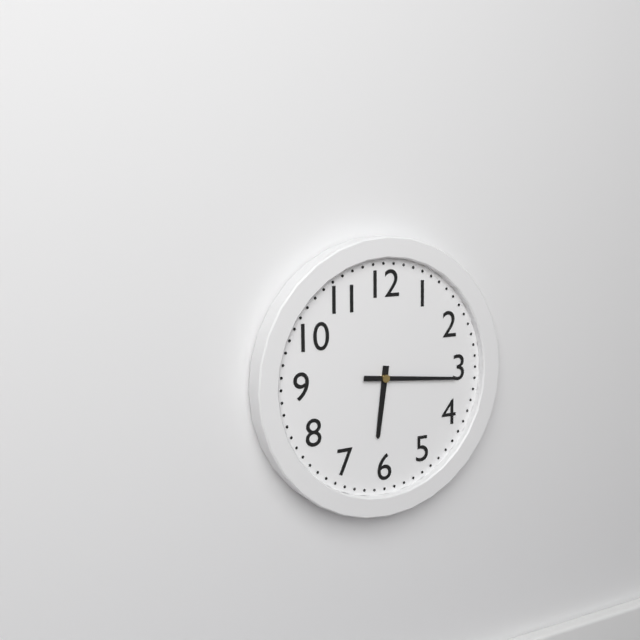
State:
6,16
